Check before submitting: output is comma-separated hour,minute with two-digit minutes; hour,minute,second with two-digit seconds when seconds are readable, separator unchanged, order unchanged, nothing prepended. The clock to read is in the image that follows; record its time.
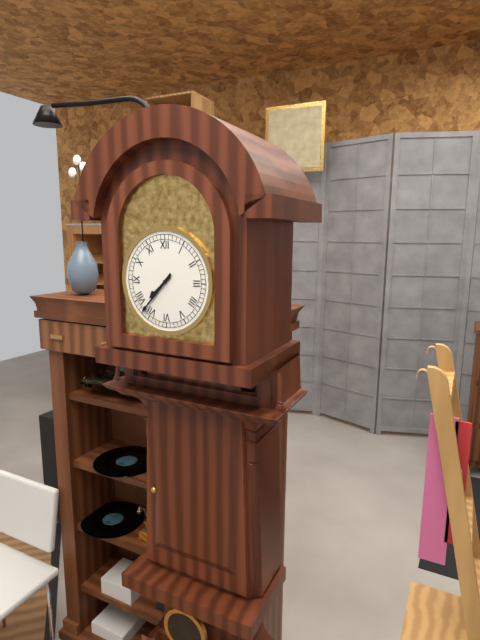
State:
7,37
